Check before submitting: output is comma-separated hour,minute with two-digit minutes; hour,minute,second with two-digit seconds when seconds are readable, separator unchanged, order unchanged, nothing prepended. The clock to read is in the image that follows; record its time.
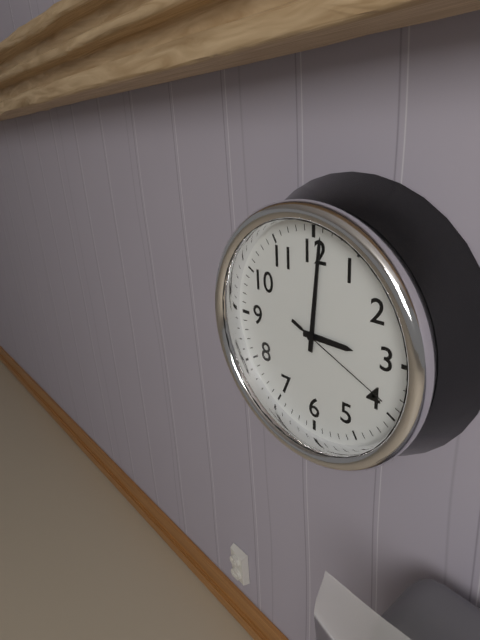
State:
3,01,19
